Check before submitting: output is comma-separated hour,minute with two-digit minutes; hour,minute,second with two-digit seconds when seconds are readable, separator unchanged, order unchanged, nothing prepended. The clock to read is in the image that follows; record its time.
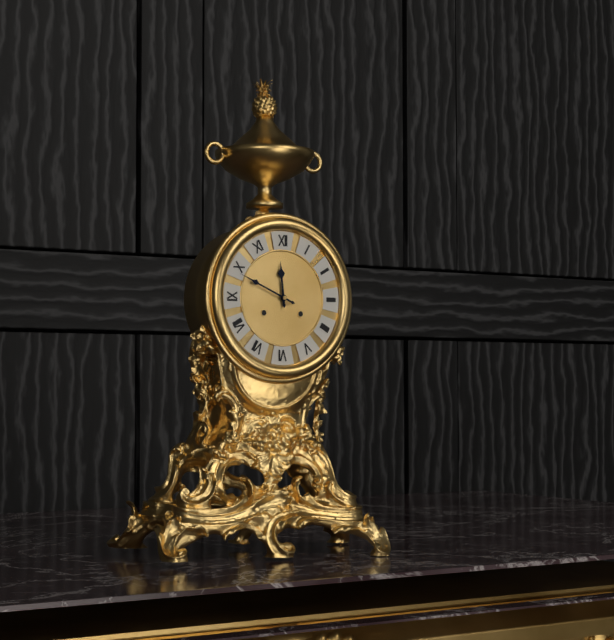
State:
11,49
